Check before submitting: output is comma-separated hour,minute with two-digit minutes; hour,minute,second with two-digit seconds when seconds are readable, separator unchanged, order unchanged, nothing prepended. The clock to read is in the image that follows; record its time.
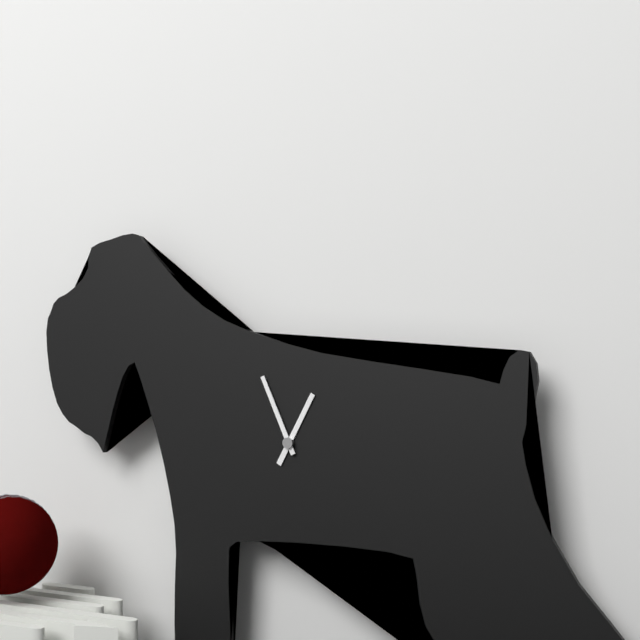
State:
12,56
